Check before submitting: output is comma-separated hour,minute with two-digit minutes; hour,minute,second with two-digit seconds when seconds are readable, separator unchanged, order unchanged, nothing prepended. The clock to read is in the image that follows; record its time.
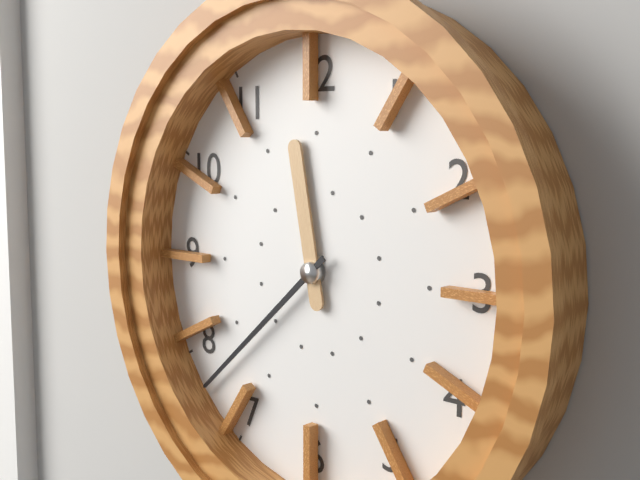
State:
11,38
